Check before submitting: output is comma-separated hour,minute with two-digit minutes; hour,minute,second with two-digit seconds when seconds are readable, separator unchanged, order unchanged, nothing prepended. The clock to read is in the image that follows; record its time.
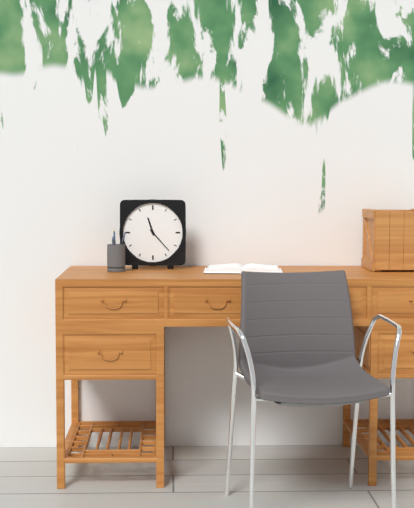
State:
11,23
